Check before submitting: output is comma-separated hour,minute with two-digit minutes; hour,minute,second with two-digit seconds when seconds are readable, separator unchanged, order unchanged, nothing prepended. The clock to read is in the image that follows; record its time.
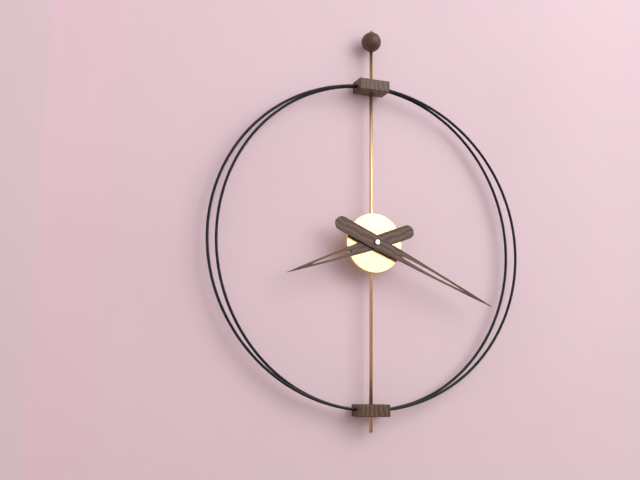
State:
8,19
